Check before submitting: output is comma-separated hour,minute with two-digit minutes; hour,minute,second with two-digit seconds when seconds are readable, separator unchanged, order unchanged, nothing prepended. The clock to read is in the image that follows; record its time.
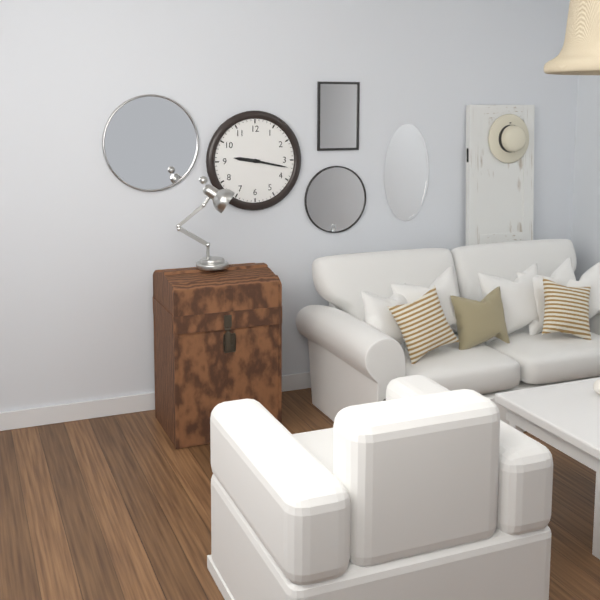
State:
9,17
